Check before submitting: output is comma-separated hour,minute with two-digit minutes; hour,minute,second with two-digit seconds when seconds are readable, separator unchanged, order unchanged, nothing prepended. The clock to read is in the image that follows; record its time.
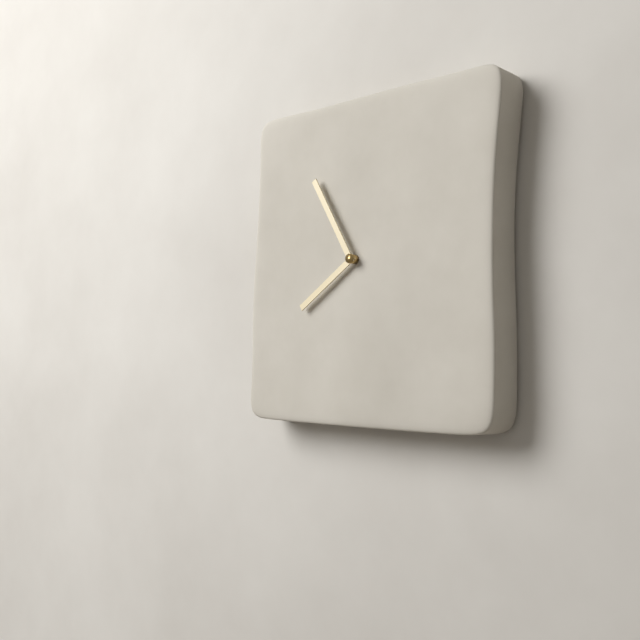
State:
7,55
